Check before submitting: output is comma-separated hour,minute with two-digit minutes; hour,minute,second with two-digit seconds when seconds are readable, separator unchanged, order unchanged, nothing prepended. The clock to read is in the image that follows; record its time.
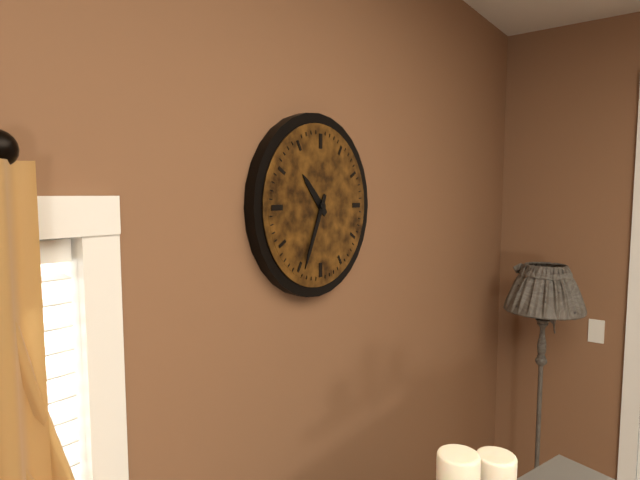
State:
10,34
